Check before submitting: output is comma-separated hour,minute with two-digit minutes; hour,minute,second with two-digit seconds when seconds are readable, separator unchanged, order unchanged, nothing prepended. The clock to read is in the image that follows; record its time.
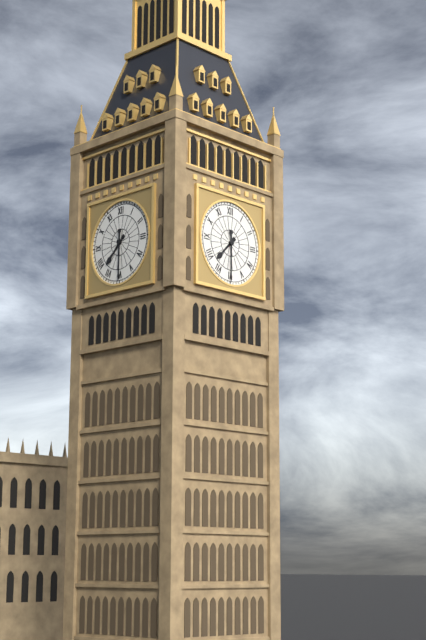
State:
7,30
